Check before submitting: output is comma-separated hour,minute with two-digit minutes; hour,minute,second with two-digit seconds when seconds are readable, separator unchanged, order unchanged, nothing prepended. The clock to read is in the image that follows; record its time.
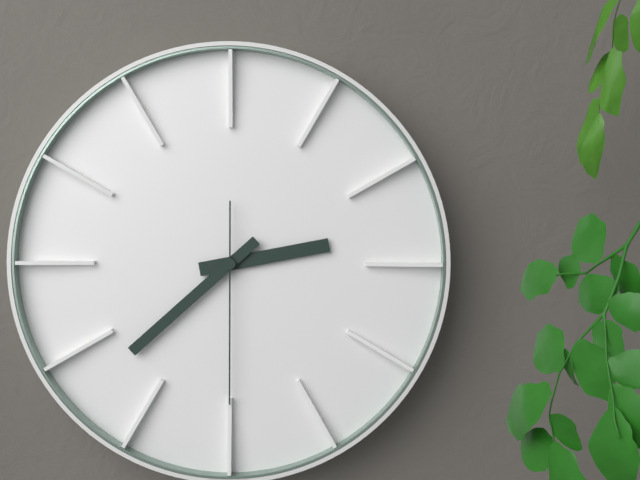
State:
2,38,30
